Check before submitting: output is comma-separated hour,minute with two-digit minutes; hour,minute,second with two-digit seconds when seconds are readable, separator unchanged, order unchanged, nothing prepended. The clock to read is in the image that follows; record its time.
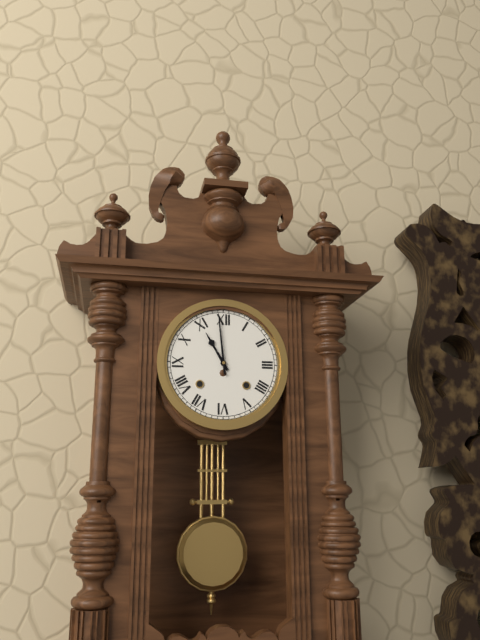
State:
10,59
